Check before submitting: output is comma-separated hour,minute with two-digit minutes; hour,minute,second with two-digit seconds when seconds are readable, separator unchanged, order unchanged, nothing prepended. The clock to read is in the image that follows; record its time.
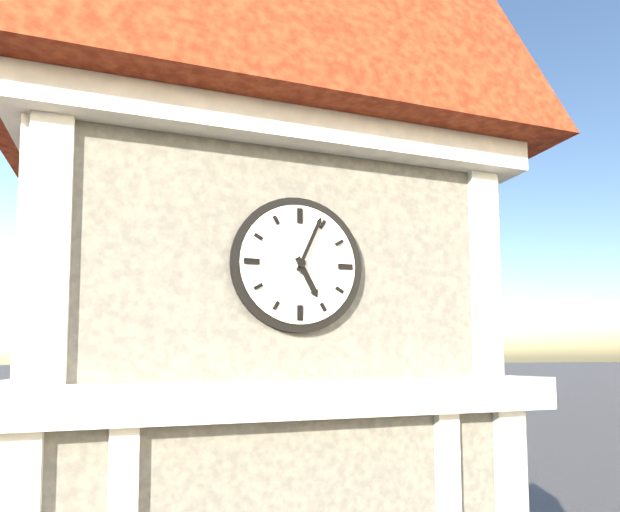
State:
5,04
